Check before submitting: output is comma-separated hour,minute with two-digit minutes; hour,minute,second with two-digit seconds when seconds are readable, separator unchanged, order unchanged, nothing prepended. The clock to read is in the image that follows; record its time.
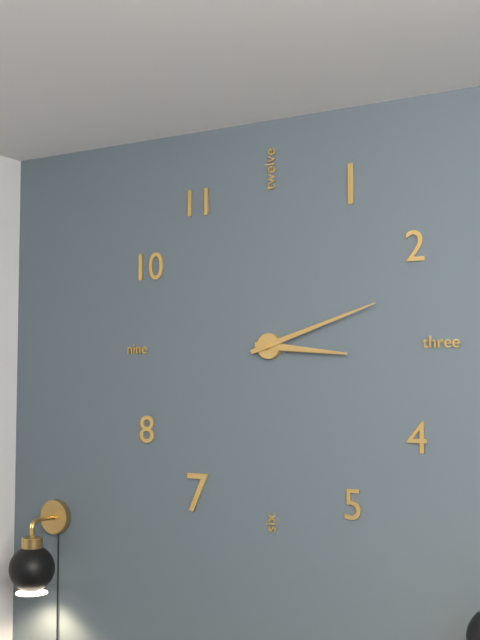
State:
3,12
